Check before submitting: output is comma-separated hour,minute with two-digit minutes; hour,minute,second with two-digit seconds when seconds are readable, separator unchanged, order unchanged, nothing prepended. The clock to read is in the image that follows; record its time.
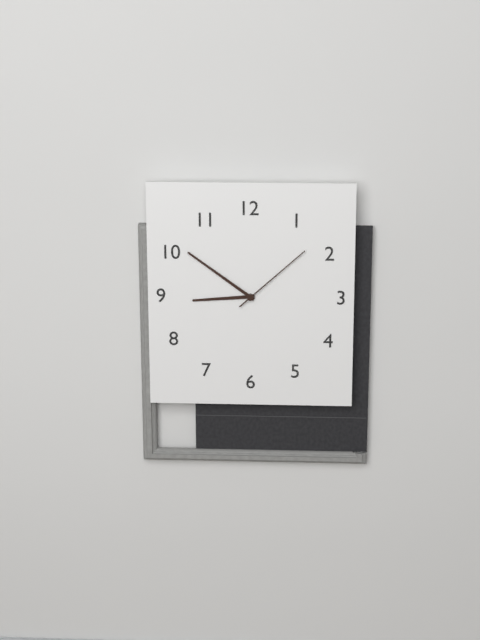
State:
8,51,08
